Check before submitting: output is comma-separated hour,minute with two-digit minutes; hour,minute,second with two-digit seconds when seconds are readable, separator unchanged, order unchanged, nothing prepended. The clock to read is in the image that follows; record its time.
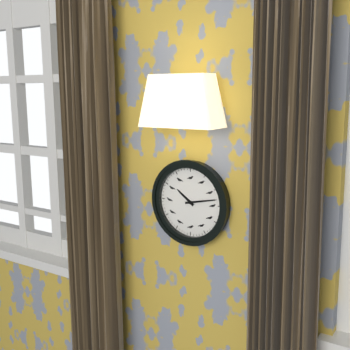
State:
10,13
